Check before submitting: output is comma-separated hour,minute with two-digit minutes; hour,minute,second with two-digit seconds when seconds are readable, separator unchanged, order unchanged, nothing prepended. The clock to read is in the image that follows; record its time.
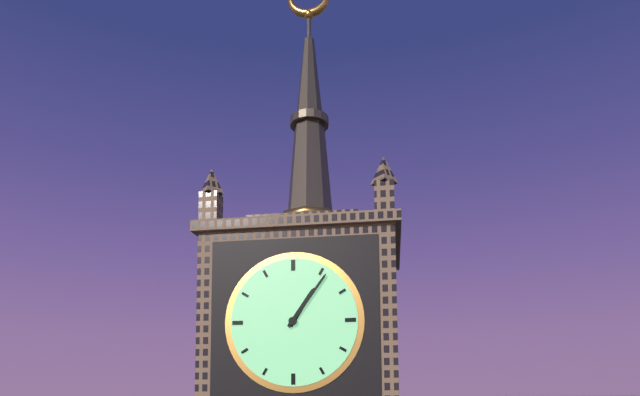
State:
1,06
